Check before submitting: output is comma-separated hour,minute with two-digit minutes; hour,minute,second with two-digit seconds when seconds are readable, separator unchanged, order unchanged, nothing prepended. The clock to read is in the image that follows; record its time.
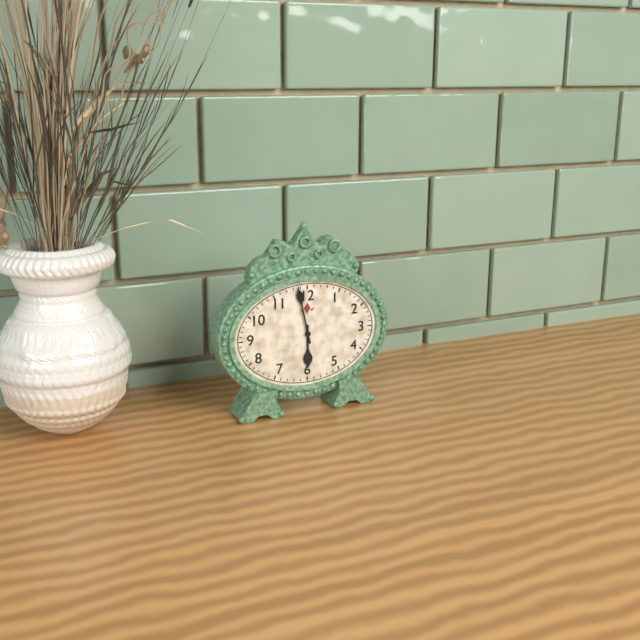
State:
5,58
